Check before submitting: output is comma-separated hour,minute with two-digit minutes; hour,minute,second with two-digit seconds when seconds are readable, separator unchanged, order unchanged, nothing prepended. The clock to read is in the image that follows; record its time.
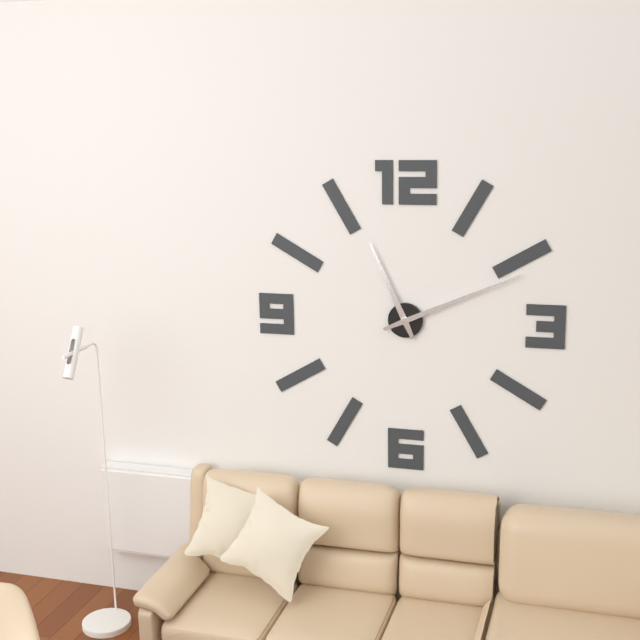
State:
11,11
